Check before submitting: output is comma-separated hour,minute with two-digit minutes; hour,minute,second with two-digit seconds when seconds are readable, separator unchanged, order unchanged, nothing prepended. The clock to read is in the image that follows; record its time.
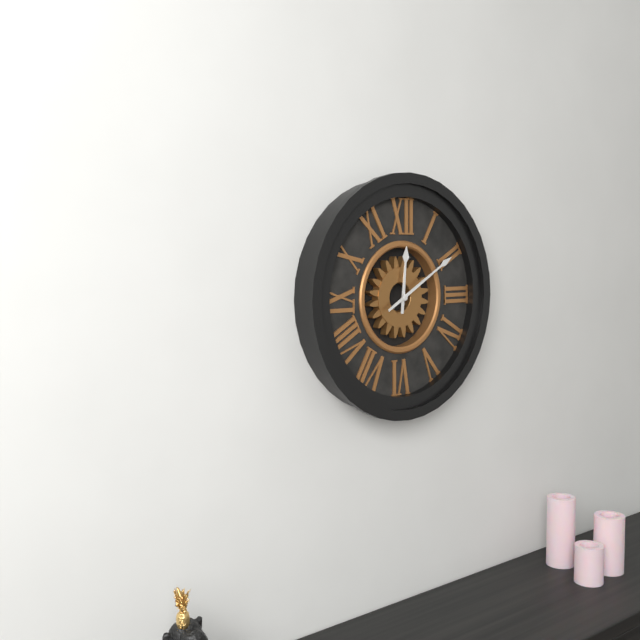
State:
12,10
